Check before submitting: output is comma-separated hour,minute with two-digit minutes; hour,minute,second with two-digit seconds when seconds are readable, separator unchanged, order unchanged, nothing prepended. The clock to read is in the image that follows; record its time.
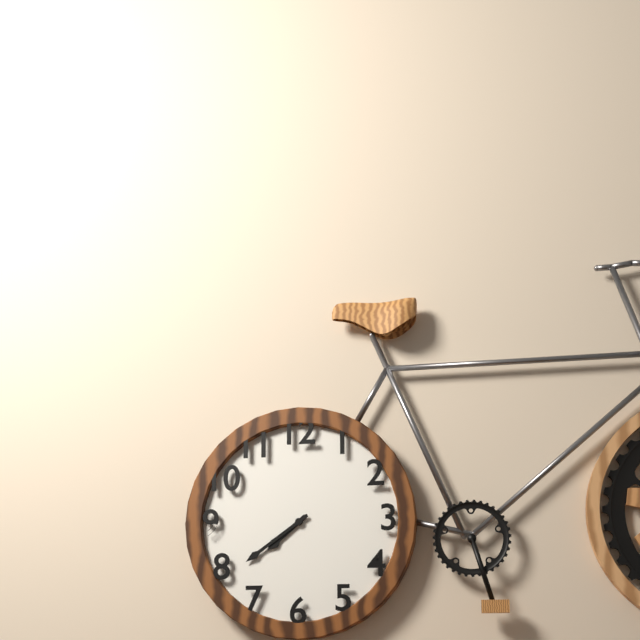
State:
7,39
